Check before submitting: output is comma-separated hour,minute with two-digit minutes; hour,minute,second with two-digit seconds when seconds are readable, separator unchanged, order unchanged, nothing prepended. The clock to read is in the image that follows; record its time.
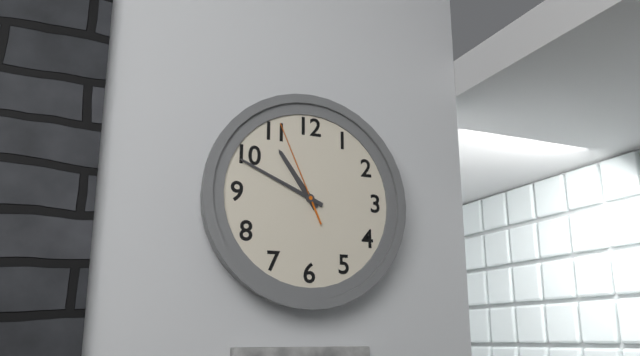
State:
10,49,56
